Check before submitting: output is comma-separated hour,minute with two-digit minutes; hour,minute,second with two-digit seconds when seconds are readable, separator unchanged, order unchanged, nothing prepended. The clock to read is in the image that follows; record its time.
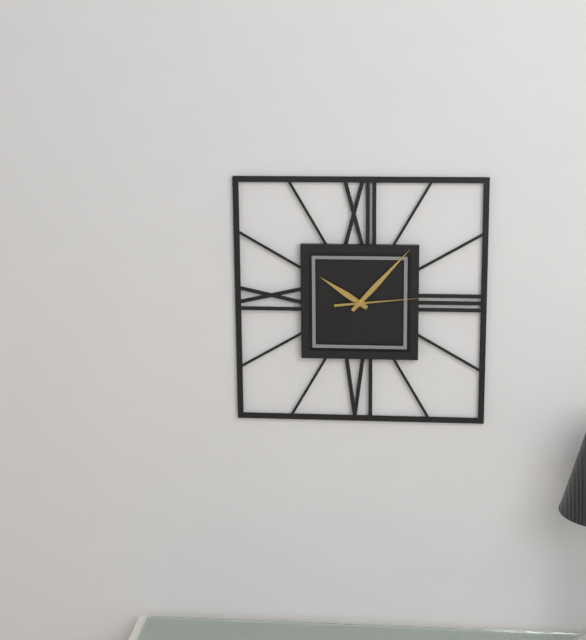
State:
10,07,14
